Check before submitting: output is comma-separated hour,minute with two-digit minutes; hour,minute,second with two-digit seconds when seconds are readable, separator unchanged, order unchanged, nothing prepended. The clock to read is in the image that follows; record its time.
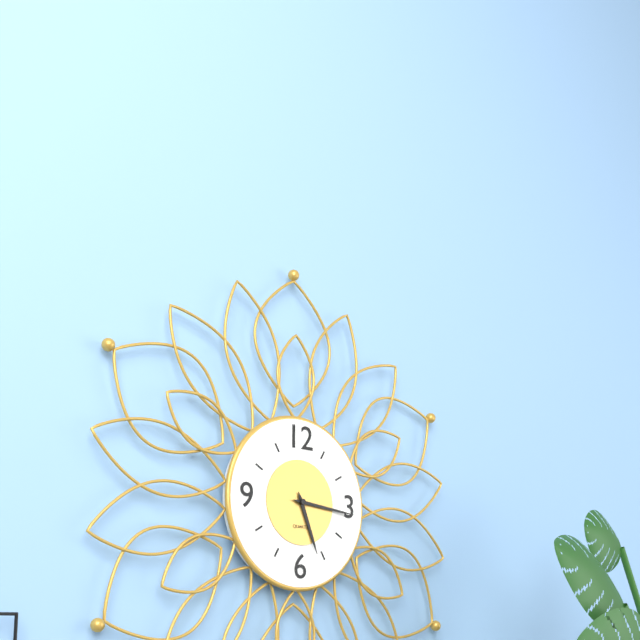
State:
5,16
